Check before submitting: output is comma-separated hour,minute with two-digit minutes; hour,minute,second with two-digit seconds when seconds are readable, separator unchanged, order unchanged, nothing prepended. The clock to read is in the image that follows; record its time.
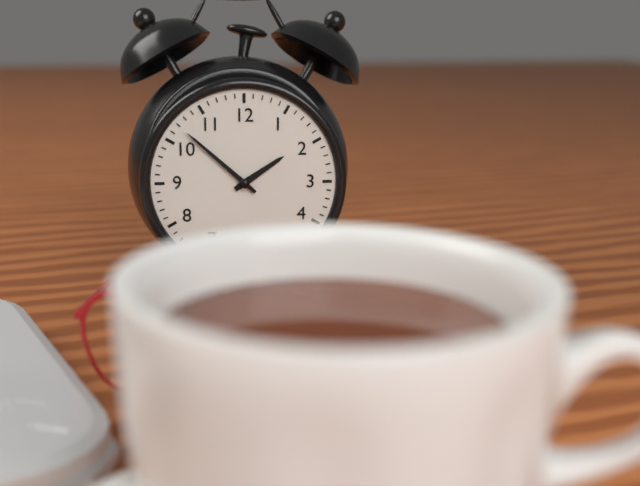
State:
1,52
